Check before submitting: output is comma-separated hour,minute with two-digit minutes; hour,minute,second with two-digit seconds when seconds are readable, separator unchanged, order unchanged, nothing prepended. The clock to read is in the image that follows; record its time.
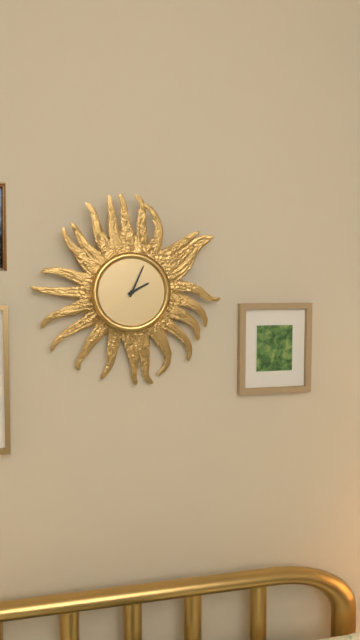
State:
2,04
